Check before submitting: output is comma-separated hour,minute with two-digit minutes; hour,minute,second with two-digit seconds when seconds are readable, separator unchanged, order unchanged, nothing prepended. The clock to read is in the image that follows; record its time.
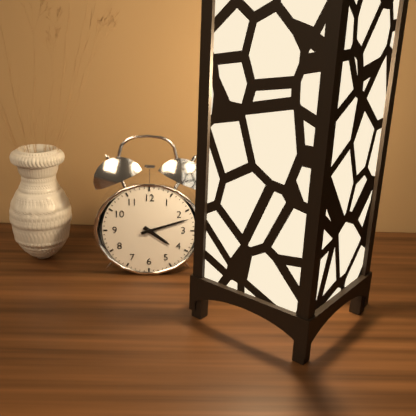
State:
4,12
